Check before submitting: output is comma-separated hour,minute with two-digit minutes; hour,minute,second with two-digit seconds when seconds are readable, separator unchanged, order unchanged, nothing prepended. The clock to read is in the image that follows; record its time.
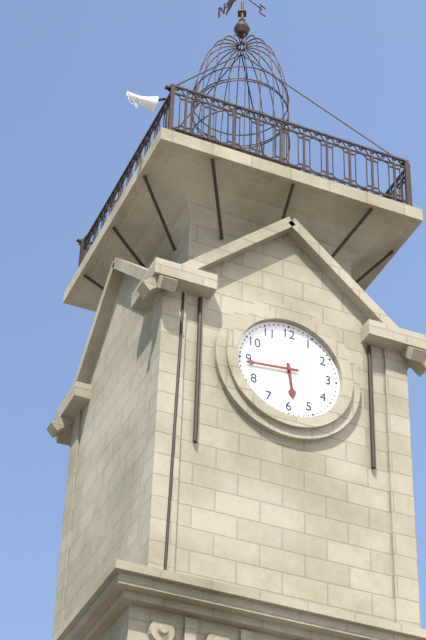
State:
5,44
